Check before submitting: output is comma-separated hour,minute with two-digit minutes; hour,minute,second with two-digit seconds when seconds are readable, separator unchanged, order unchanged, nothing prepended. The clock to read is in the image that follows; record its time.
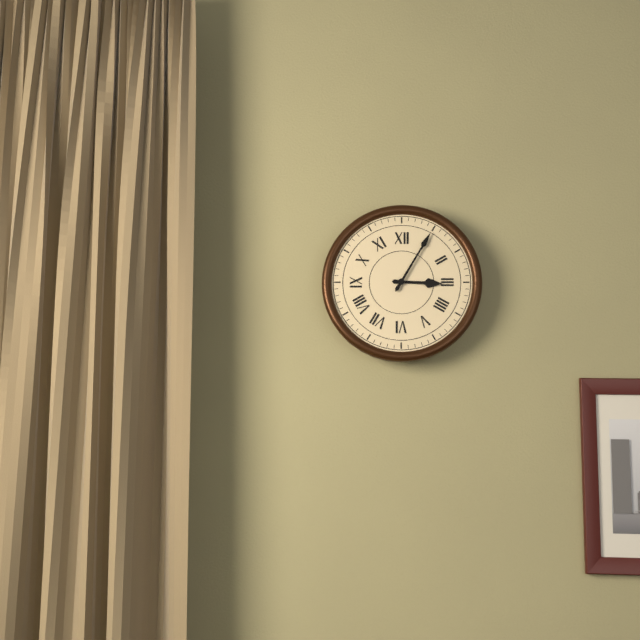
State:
3,05
